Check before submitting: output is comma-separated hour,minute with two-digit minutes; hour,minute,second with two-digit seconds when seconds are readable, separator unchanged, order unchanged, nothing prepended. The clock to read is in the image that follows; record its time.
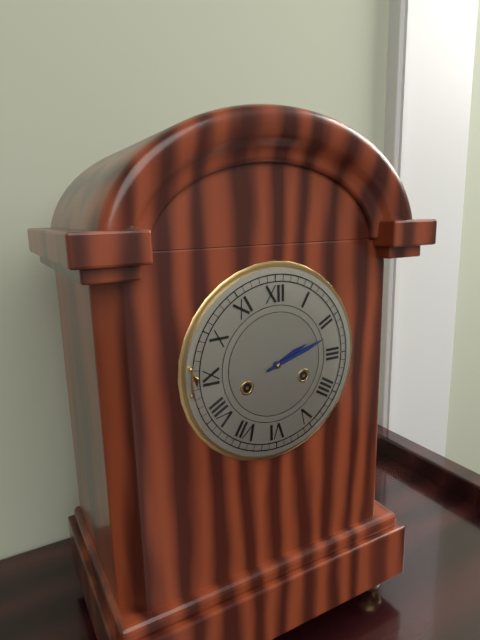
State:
2,12
